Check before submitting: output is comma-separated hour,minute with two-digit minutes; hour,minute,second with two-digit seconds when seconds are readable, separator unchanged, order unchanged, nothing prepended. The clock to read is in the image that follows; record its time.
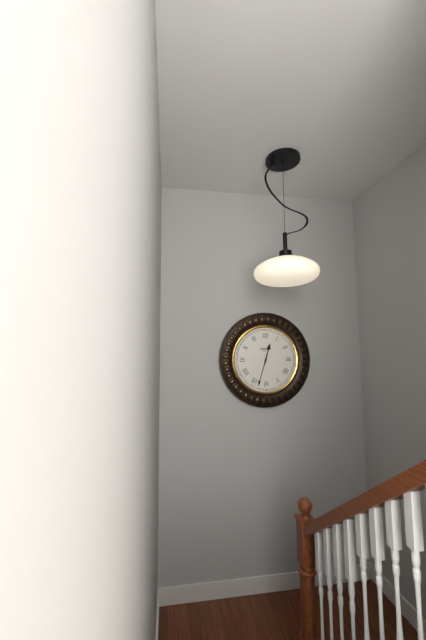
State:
12,33
